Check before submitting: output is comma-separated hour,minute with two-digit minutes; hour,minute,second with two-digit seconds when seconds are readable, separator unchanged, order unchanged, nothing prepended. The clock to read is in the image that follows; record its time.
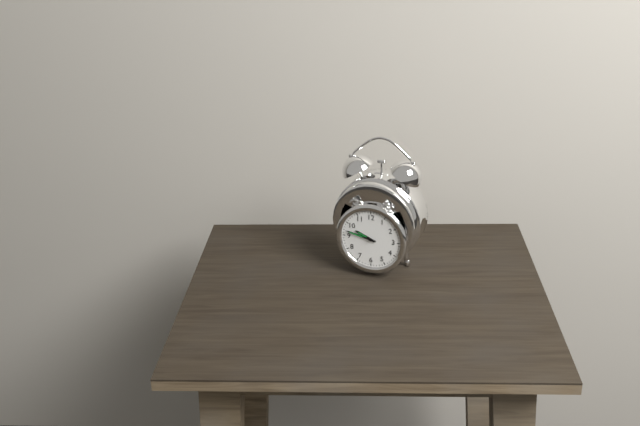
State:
9,47
